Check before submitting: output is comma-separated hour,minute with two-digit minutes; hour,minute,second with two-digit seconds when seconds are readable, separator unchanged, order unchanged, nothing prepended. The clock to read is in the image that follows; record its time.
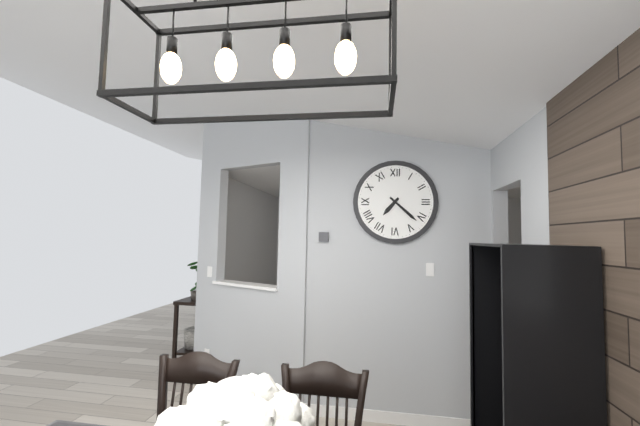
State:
7,22
